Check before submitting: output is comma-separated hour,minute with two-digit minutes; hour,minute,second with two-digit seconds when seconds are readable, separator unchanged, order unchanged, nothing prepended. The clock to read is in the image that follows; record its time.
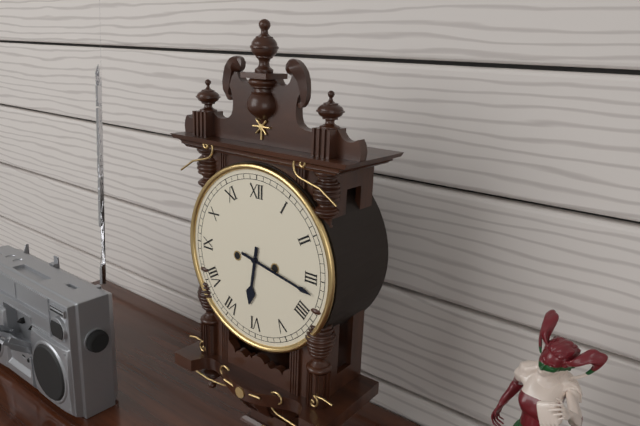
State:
6,17
